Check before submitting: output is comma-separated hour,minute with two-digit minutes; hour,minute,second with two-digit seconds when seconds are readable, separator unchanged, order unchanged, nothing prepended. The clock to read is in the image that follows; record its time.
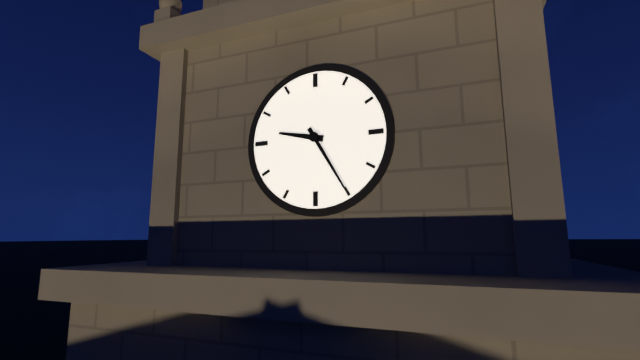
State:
9,25
